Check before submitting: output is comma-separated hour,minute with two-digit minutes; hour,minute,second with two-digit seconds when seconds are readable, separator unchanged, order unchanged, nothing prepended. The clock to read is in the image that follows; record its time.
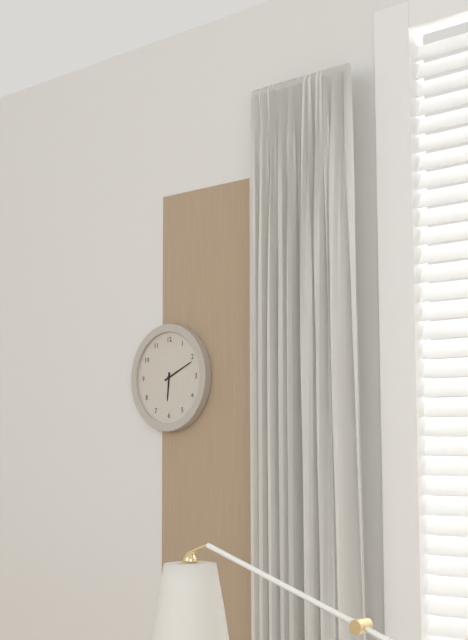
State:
6,11
